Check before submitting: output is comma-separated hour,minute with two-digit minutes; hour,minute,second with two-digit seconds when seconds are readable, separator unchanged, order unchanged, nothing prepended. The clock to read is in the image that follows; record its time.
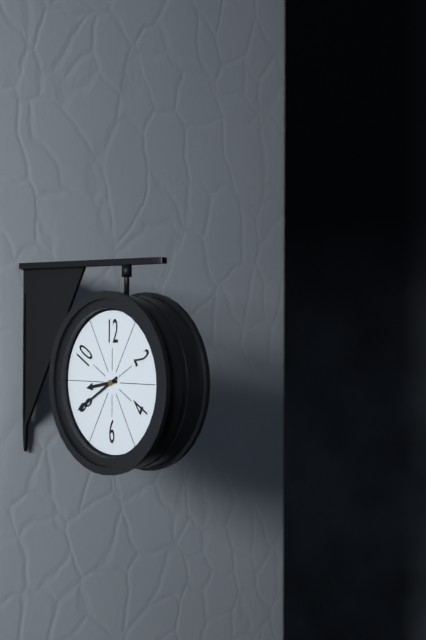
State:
8,40
